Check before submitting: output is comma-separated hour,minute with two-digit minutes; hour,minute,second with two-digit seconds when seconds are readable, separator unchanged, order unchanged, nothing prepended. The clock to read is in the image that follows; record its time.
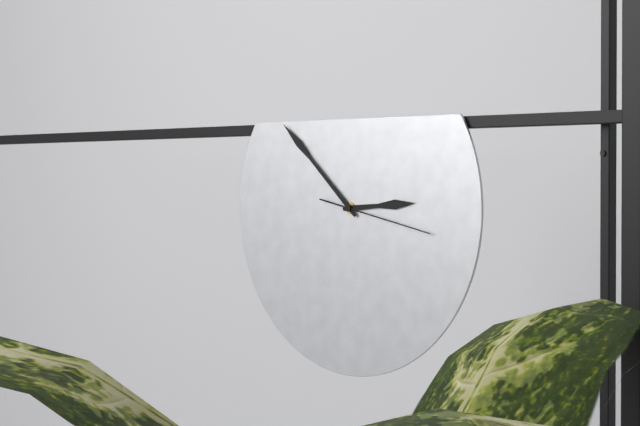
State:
2,52,17
